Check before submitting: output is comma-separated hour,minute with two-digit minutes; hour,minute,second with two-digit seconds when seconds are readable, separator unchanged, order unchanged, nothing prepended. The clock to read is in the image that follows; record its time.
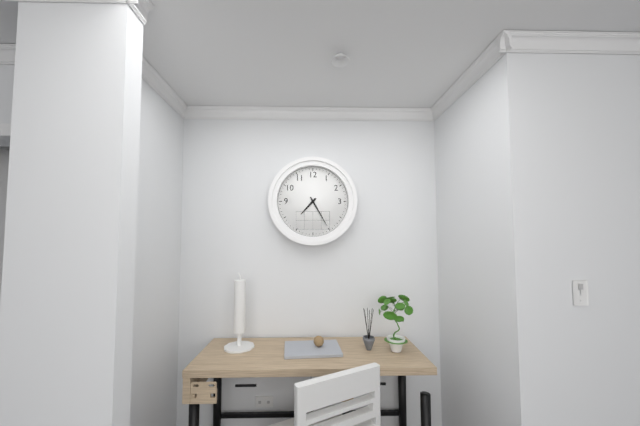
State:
7,25
